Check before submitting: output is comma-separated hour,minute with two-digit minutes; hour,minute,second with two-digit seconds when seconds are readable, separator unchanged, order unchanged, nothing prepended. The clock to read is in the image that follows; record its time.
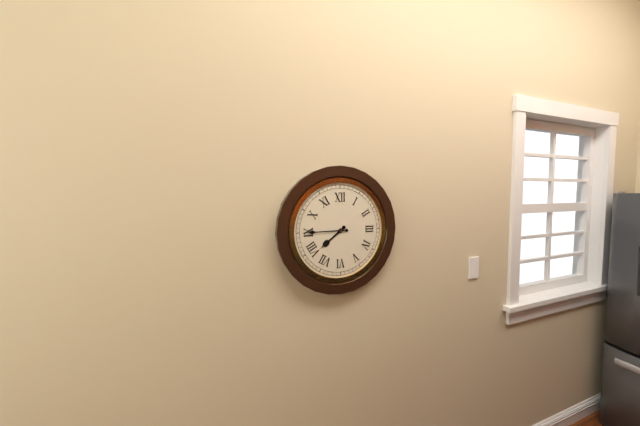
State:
7,45
